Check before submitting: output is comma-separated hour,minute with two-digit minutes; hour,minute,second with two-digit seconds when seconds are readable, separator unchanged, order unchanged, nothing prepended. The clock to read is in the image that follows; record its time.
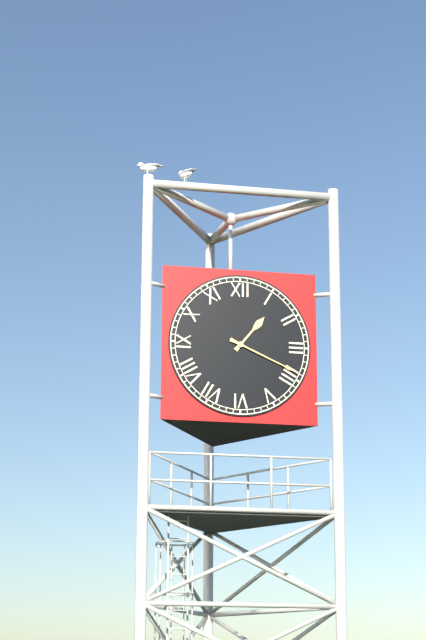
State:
1,19
